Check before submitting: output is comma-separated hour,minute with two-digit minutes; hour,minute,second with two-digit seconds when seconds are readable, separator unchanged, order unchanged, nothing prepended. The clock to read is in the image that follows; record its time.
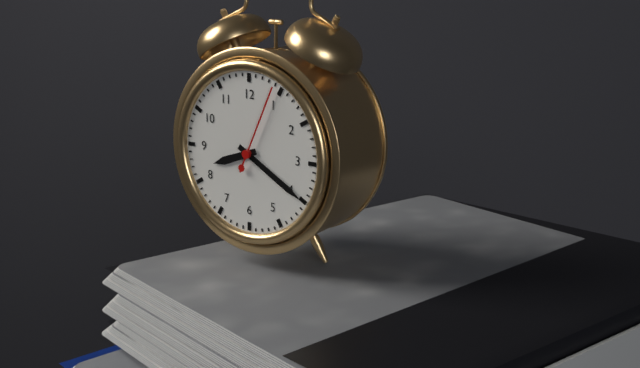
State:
8,20,04
